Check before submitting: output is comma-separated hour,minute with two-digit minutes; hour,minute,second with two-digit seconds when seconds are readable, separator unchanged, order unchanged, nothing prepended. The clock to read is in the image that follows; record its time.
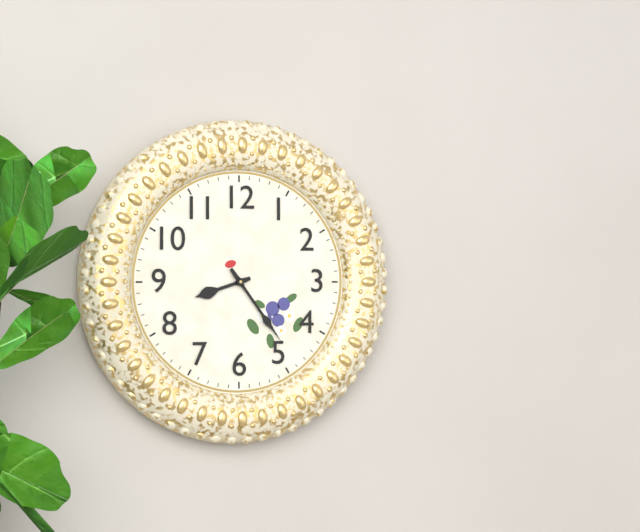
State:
8,24
